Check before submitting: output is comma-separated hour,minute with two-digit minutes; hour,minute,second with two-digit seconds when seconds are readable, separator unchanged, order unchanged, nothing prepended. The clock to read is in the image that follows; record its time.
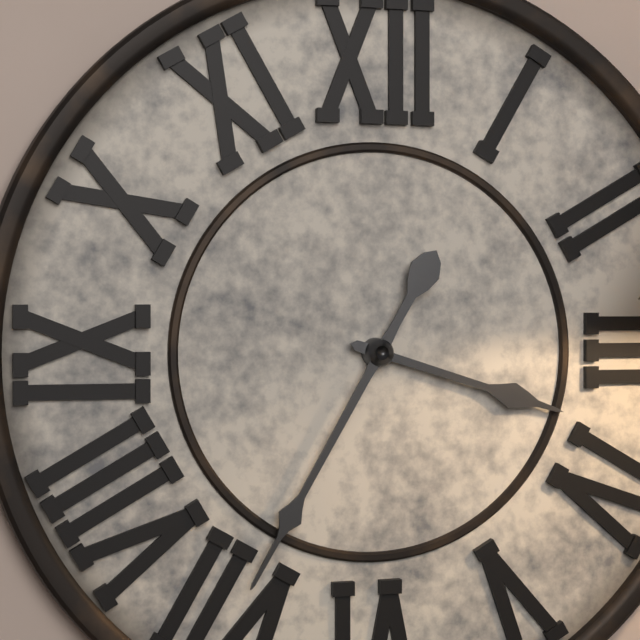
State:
3,35
